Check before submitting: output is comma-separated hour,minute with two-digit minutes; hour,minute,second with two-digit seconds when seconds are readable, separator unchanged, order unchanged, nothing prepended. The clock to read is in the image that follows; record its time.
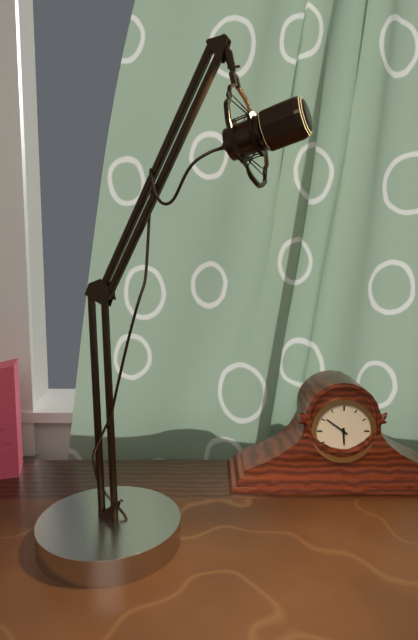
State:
5,51
